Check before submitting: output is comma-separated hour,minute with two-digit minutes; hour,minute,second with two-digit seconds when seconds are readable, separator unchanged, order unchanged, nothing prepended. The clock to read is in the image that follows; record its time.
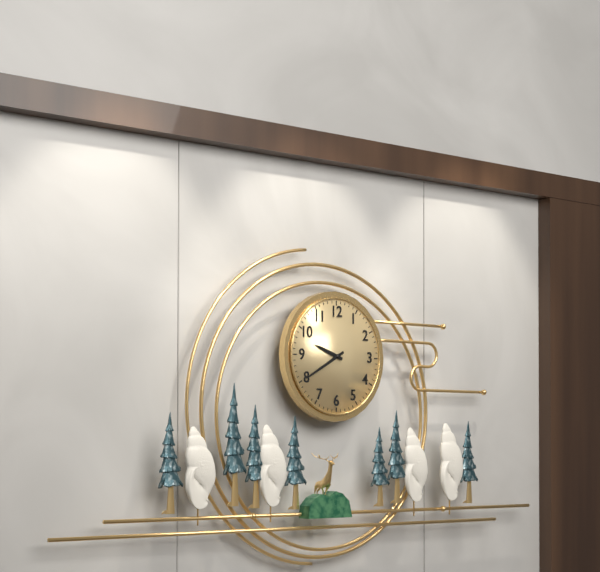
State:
9,40
